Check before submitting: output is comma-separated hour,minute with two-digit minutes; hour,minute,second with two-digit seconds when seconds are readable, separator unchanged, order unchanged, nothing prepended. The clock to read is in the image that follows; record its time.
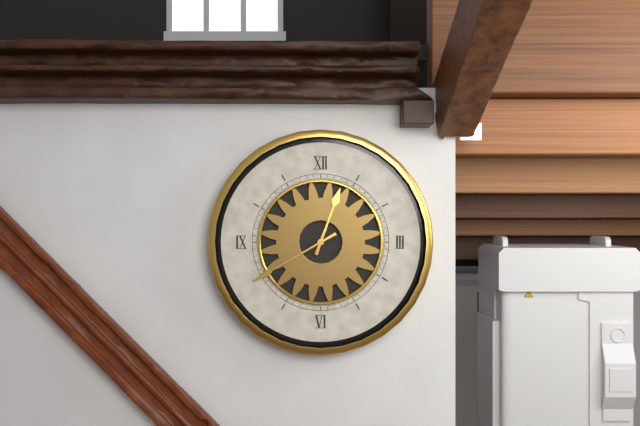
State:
12,40
